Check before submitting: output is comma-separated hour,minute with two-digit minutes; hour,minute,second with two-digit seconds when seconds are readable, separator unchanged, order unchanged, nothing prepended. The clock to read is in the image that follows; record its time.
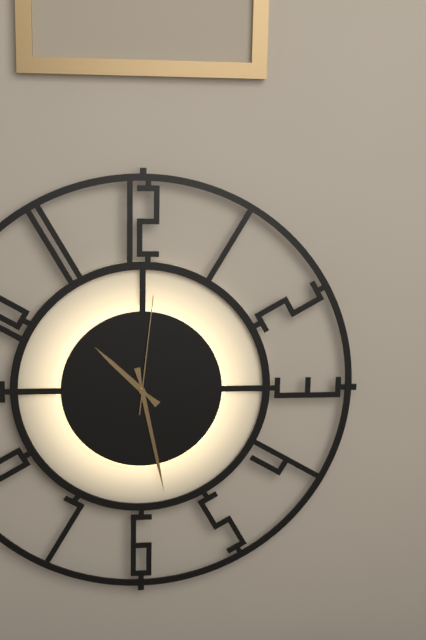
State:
10,28,01
